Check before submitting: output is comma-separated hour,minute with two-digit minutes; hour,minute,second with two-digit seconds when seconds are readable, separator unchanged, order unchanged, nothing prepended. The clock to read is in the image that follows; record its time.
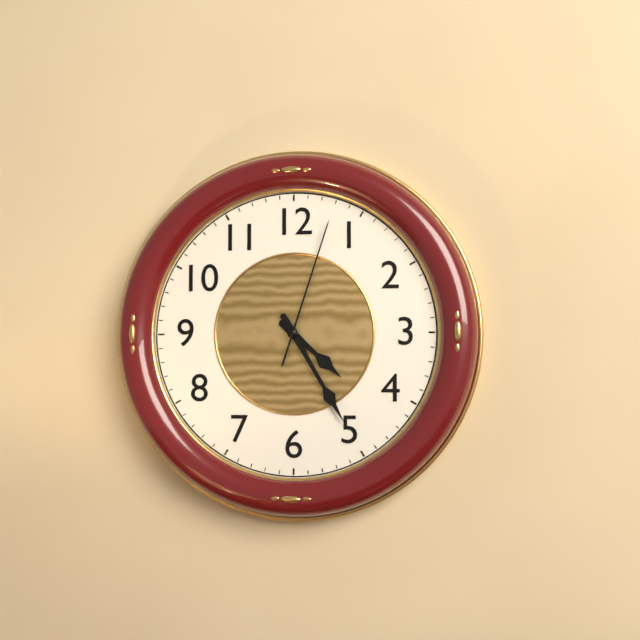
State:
4,25,03
